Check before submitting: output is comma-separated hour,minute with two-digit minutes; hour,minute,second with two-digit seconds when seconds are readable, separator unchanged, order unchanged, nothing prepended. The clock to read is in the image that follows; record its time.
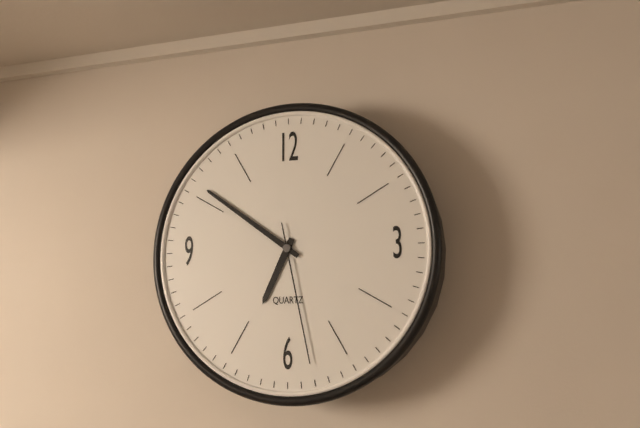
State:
6,51,28
